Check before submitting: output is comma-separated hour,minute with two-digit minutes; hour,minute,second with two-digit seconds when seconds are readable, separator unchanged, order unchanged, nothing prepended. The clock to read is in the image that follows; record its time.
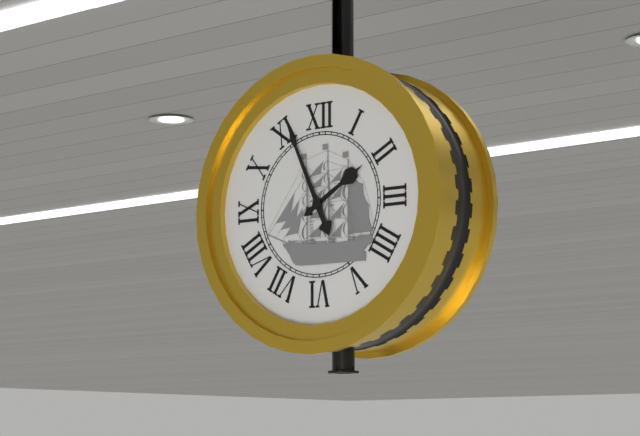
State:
1,56
